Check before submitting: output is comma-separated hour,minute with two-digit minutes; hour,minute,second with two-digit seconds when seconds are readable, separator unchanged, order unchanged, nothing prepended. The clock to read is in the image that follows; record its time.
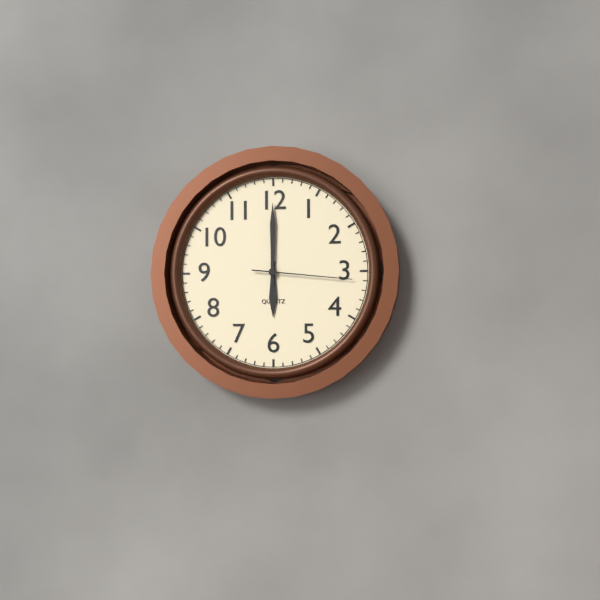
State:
6,00,16
